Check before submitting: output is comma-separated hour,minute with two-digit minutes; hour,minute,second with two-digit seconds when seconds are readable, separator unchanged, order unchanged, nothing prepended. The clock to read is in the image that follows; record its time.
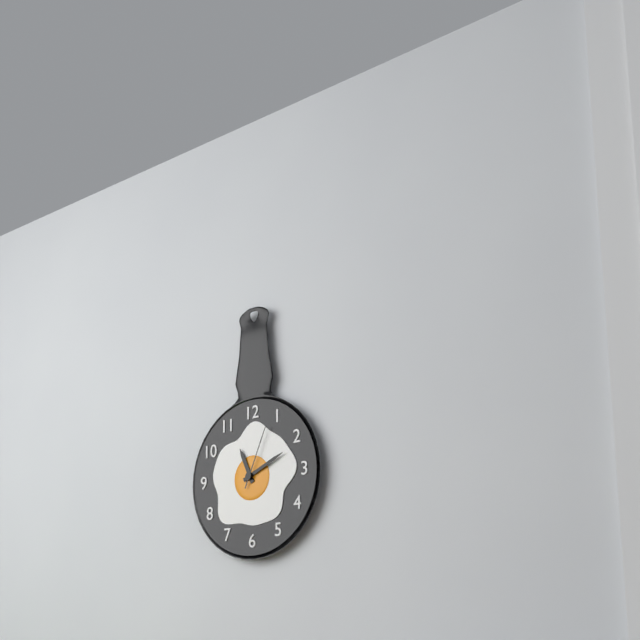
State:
11,11,04
